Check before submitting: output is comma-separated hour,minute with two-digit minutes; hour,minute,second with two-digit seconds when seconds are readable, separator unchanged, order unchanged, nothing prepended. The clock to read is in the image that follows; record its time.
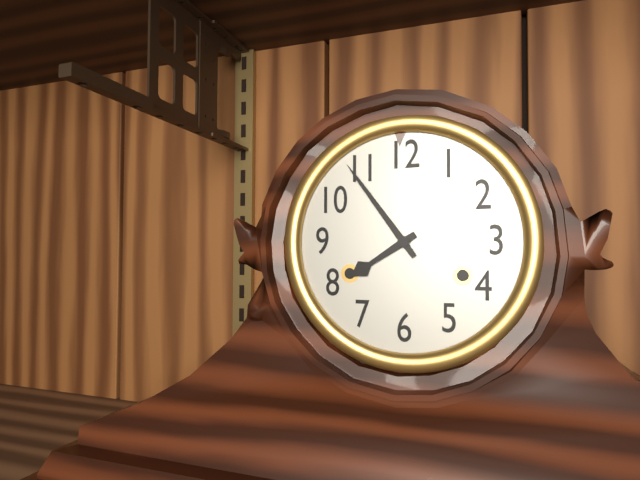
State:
7,54
